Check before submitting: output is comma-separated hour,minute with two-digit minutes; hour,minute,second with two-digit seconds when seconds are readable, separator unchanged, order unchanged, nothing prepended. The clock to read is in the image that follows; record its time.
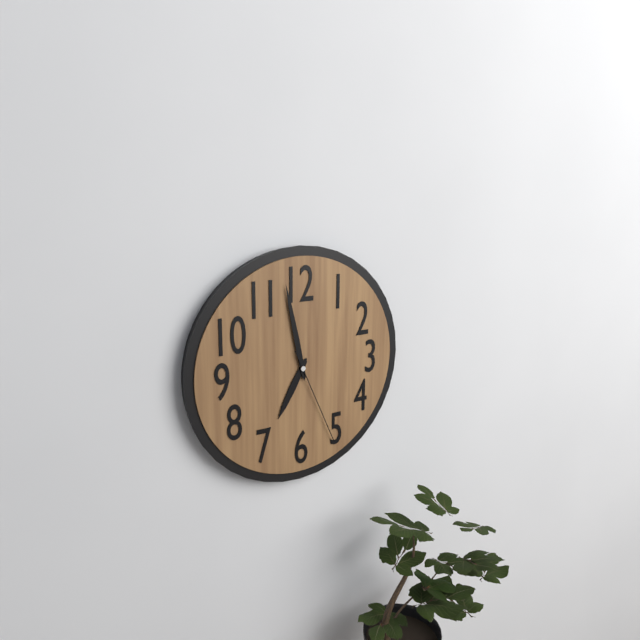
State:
6,58,26
